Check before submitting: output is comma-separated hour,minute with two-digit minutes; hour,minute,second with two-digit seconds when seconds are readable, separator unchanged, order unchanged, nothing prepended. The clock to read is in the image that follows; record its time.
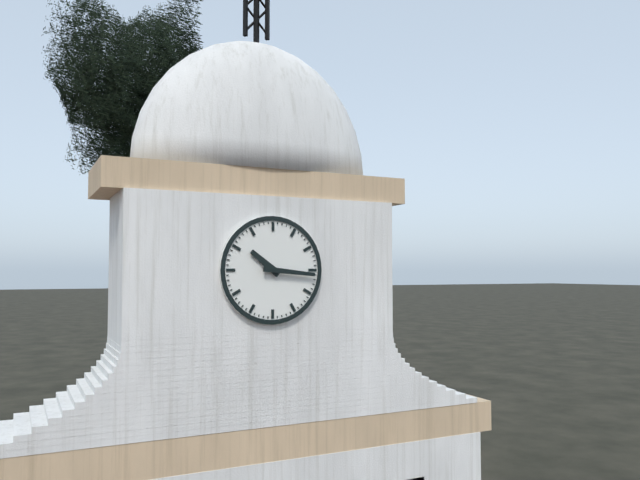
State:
10,16
